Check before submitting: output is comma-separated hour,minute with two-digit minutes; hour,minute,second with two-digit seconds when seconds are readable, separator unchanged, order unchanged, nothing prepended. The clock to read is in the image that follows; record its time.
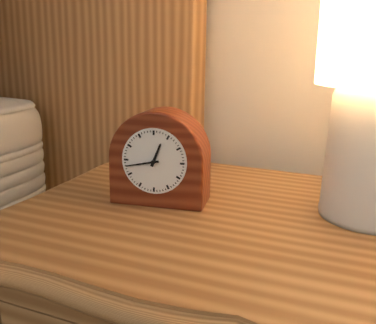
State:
12,43
